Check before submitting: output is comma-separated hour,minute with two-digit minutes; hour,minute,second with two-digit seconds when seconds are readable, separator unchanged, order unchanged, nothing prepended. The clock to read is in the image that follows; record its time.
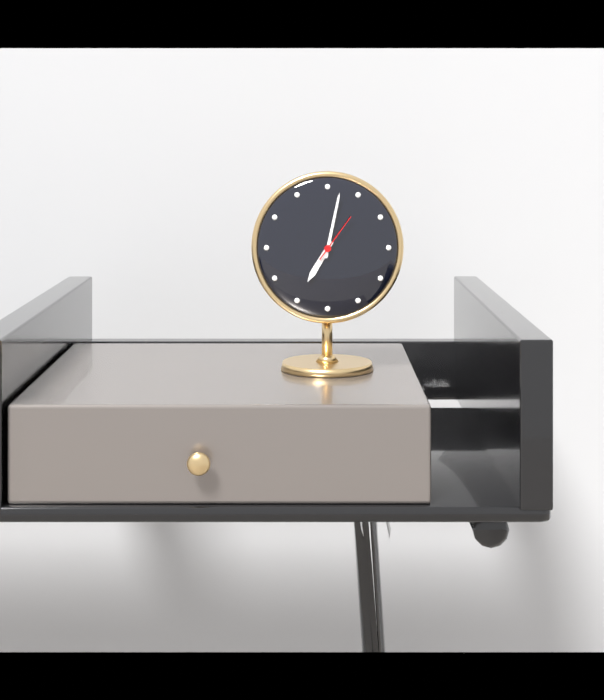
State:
7,02
